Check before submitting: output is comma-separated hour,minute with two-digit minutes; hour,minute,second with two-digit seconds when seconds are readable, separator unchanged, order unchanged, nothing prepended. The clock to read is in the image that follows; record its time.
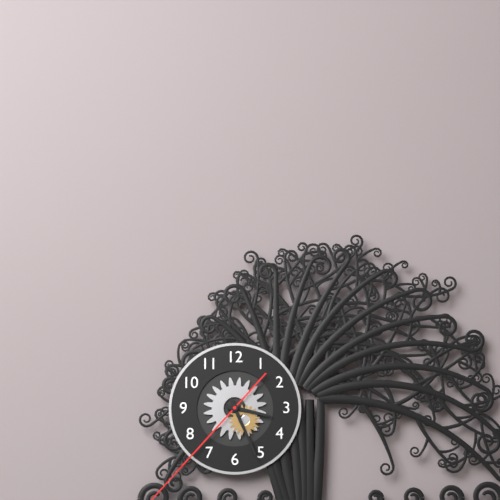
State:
3,26
